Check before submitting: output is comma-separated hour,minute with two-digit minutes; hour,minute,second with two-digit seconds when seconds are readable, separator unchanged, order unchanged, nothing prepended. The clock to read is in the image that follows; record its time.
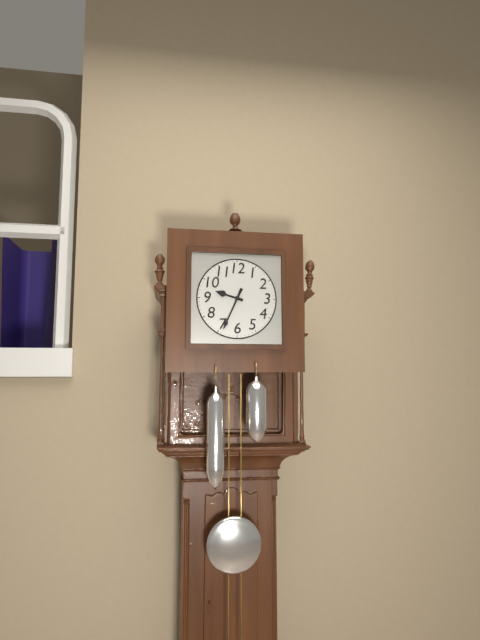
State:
9,34
